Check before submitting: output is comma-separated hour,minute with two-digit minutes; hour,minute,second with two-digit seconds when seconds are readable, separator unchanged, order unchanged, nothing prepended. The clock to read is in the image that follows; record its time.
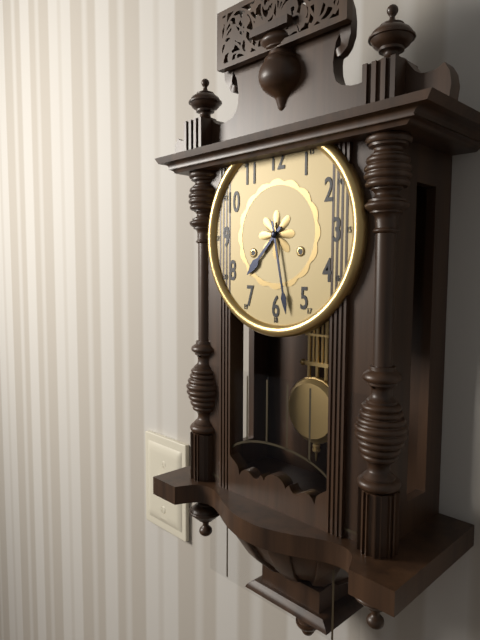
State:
7,28
